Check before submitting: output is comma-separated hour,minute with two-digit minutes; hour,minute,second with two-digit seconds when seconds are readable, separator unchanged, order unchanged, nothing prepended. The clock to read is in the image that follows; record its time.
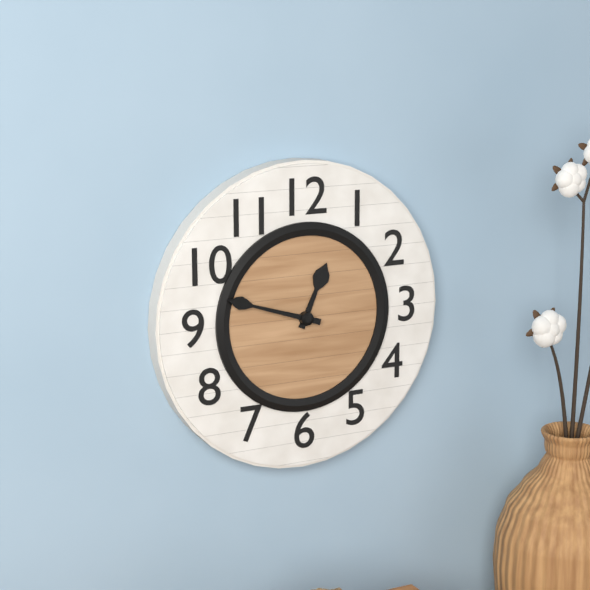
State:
12,48
